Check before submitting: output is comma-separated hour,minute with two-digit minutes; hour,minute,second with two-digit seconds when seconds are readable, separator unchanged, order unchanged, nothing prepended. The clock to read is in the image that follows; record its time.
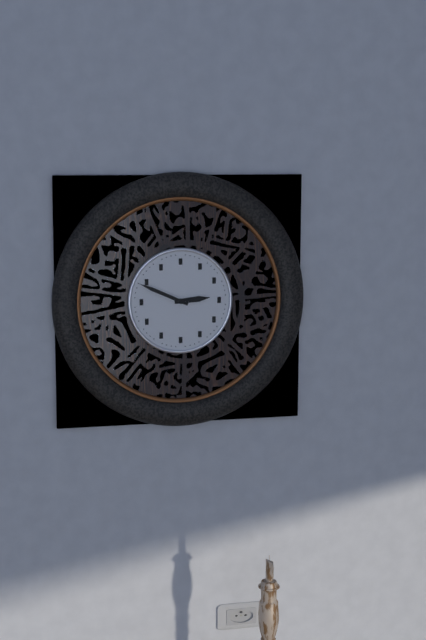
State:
2,49
